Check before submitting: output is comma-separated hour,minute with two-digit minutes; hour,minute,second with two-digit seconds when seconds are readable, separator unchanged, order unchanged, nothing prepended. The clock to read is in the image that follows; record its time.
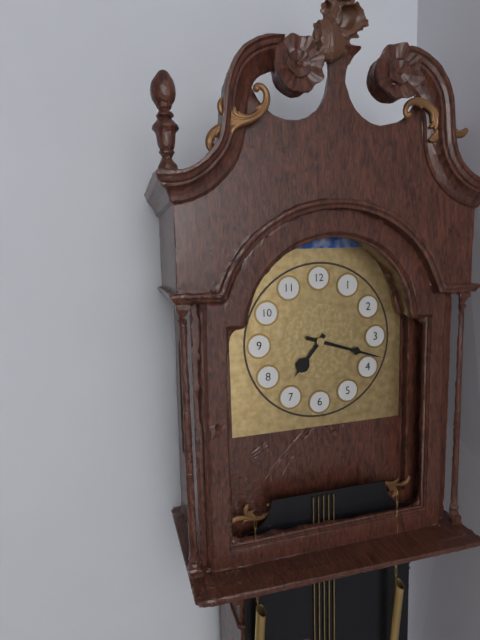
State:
7,18
